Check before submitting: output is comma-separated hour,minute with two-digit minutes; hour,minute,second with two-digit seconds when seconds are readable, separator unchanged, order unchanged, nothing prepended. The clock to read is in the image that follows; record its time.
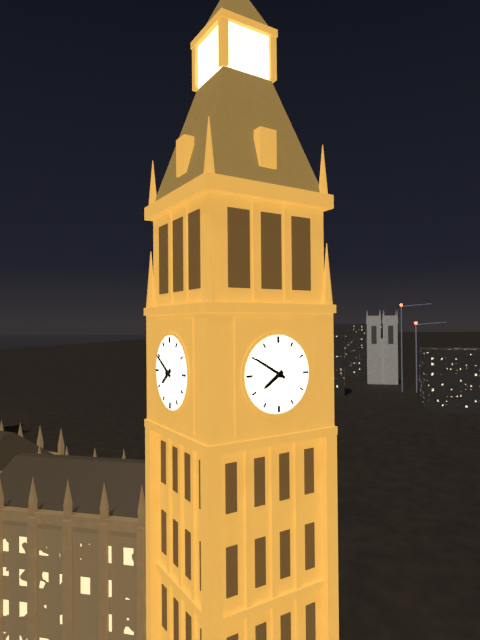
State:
7,50
